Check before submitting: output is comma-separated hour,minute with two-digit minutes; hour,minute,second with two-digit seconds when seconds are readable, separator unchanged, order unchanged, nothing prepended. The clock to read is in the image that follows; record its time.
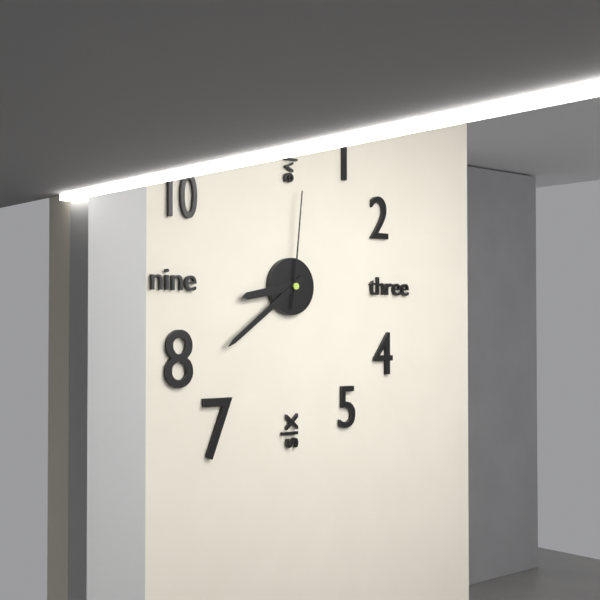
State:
8,39,01
